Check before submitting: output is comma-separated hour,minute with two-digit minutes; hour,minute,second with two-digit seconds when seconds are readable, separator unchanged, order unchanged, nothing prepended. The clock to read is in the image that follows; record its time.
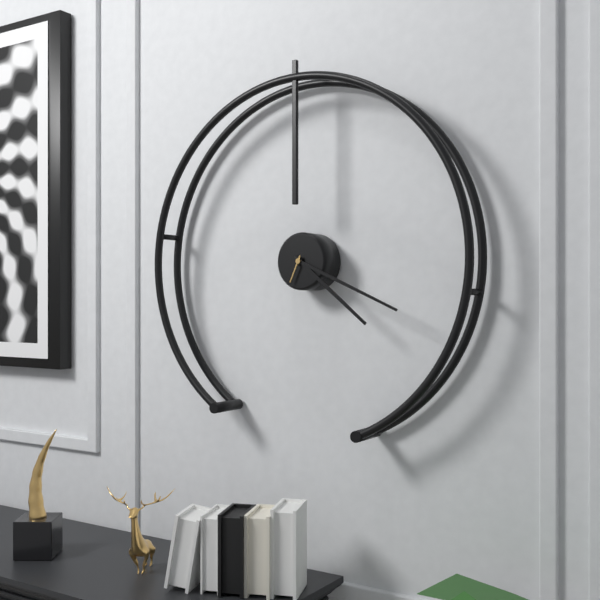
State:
4,19
